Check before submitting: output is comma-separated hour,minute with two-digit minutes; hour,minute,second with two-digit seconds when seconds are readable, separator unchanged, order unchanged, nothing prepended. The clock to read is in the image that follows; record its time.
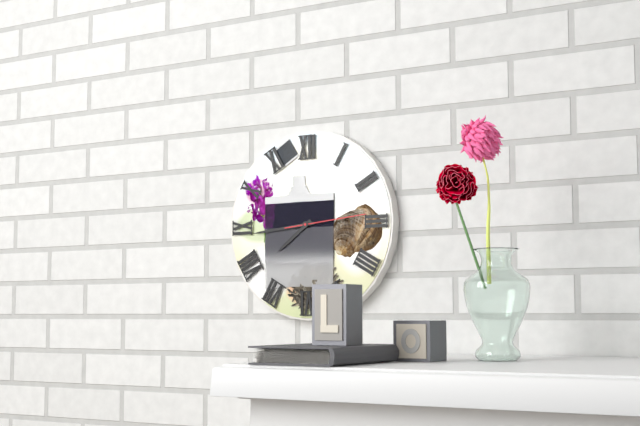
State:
7,44,14
